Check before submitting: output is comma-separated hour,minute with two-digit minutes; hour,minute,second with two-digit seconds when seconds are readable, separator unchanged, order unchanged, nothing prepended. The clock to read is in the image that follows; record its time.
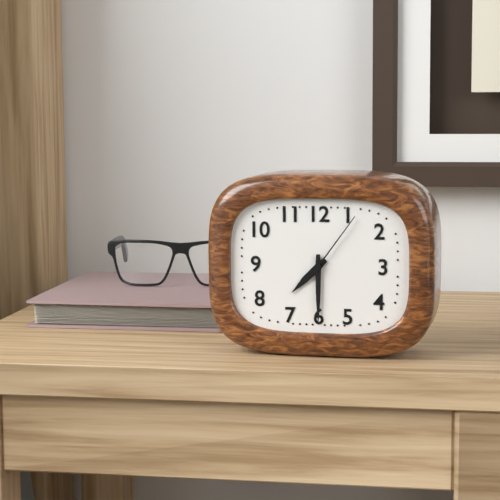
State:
7,30,06
